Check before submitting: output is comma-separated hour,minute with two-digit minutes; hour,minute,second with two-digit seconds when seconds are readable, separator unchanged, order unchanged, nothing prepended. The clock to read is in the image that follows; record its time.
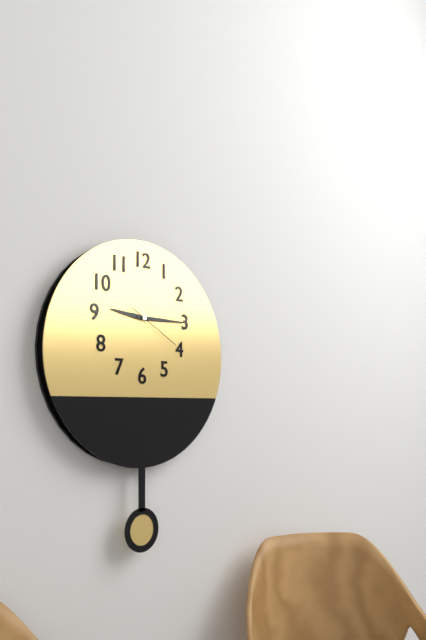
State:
9,15,20
